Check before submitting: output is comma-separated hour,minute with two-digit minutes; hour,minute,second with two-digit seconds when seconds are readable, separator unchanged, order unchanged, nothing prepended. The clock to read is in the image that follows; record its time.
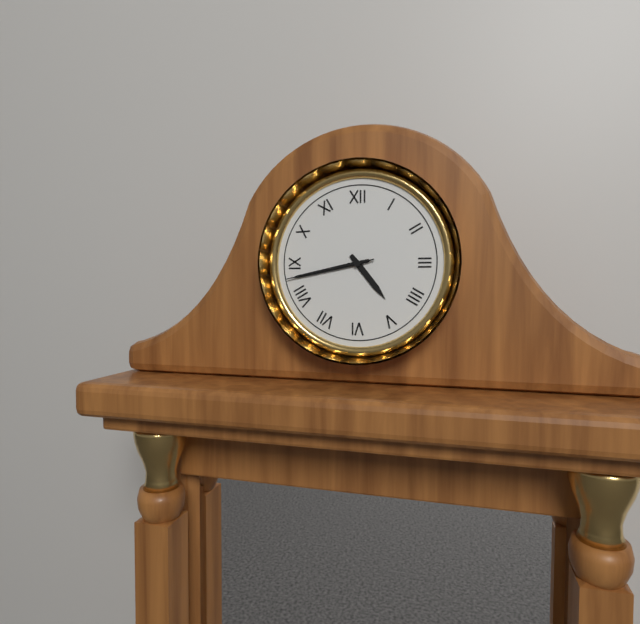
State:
4,43,43
